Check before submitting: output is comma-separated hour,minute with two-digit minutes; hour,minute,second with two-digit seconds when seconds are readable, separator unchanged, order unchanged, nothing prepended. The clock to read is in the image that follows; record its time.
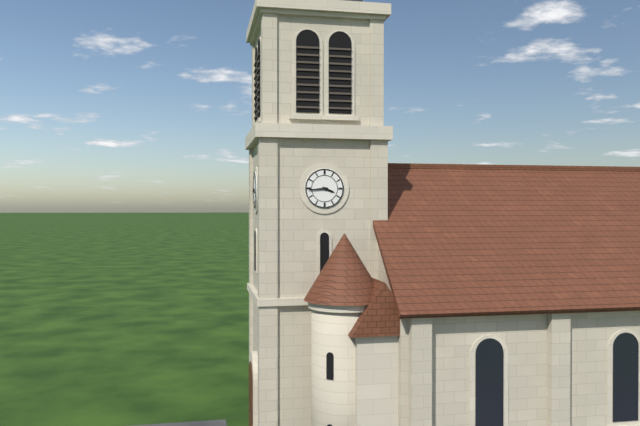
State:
3,44
